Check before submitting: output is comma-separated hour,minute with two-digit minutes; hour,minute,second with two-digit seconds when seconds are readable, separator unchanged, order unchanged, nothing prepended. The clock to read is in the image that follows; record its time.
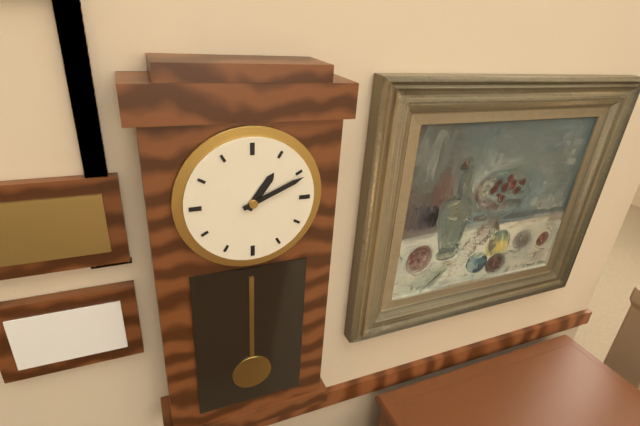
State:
1,11
